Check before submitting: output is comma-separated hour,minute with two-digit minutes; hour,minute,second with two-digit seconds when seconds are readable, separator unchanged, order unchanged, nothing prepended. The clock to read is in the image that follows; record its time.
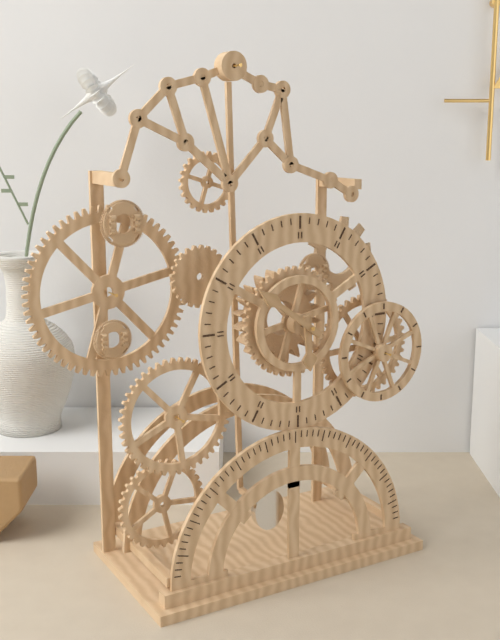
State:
5,51
